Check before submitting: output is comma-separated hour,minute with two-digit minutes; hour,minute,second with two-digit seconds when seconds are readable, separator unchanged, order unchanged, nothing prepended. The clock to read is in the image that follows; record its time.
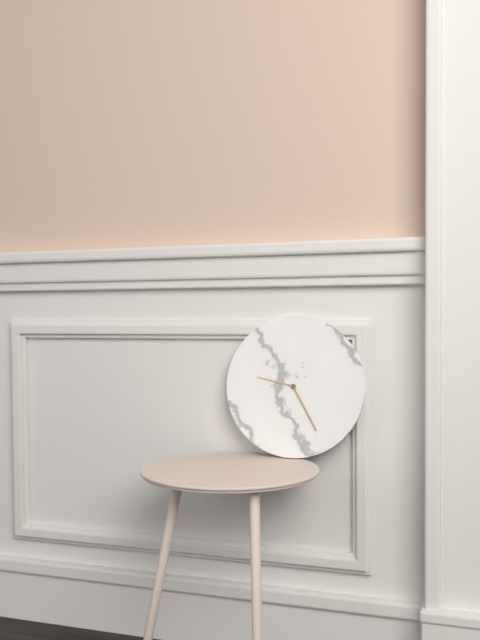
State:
9,25
